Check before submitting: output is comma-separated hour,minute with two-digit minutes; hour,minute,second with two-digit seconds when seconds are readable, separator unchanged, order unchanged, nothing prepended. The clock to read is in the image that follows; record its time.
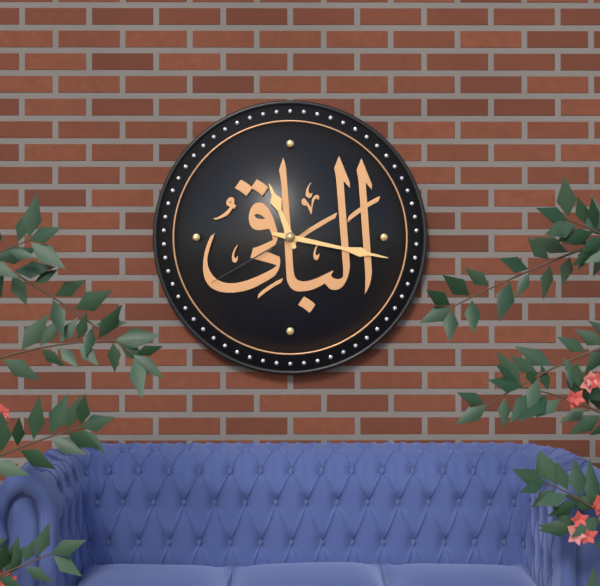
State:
11,17,40
